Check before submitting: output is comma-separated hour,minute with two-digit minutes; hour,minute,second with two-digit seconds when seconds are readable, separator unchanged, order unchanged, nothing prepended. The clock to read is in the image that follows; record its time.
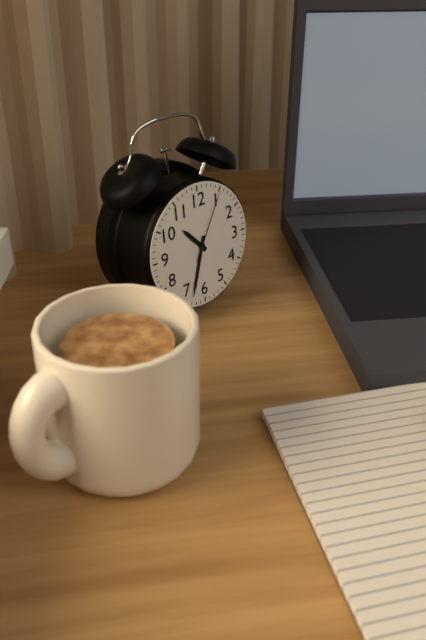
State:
10,33,05
